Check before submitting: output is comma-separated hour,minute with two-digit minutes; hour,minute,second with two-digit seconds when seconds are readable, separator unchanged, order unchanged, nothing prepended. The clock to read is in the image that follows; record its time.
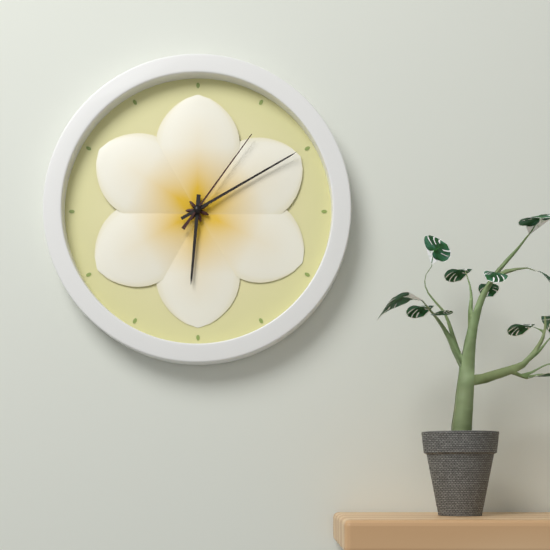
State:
6,10,06
